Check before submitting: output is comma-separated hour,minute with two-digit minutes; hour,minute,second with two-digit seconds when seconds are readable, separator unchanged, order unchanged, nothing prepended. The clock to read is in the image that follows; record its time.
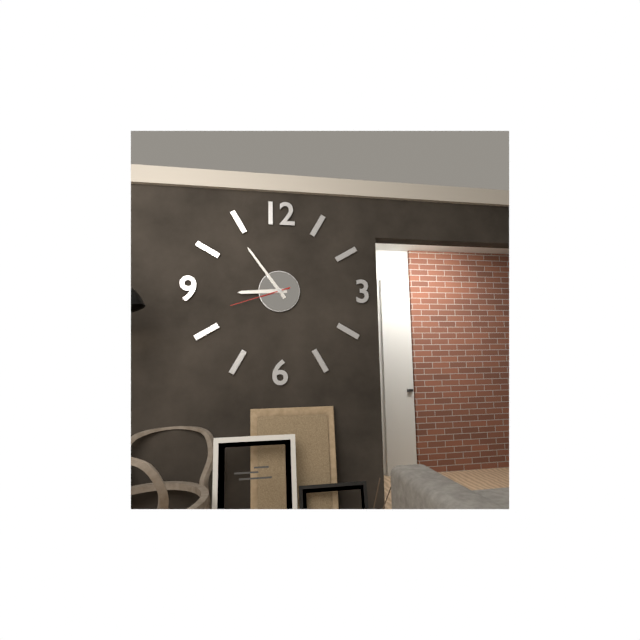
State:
8,54,42
